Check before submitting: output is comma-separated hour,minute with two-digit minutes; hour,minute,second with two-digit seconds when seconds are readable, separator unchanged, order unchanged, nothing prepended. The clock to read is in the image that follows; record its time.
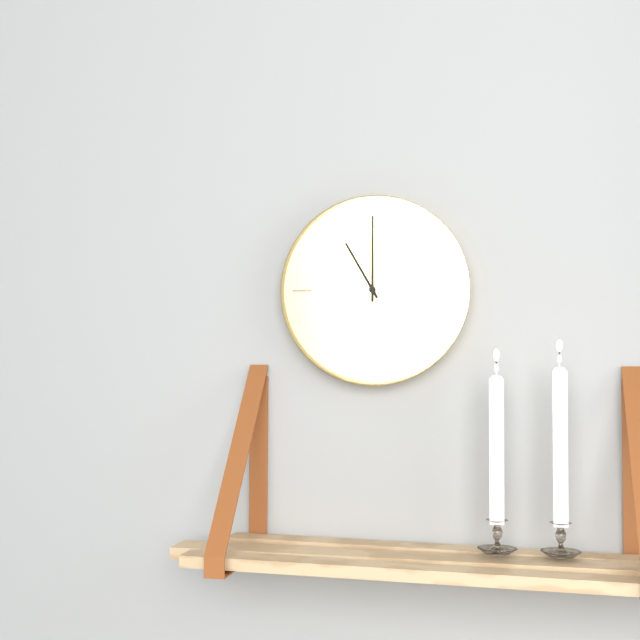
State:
11,00
